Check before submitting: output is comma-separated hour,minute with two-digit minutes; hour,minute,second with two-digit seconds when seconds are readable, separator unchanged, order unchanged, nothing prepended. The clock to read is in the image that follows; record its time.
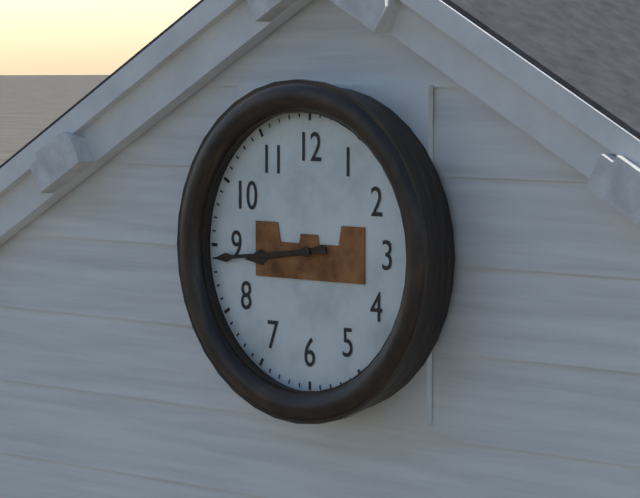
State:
8,44
